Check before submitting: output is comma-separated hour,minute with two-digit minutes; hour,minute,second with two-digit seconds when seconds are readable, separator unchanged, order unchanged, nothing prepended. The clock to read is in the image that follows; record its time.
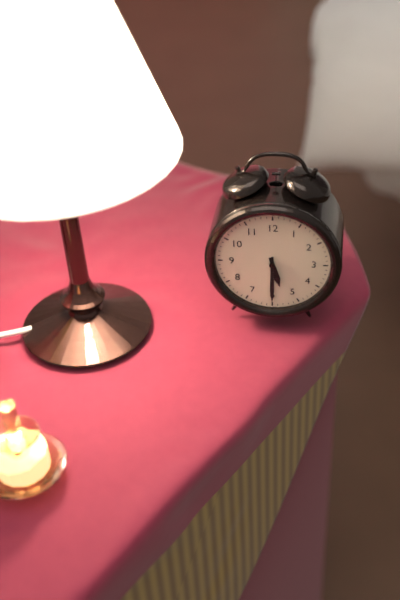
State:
5,30
